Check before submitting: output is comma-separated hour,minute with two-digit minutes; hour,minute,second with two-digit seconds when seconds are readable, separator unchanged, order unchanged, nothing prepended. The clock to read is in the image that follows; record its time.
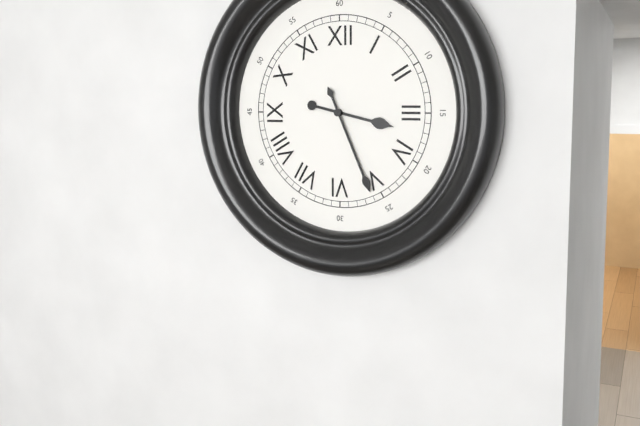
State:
3,26
